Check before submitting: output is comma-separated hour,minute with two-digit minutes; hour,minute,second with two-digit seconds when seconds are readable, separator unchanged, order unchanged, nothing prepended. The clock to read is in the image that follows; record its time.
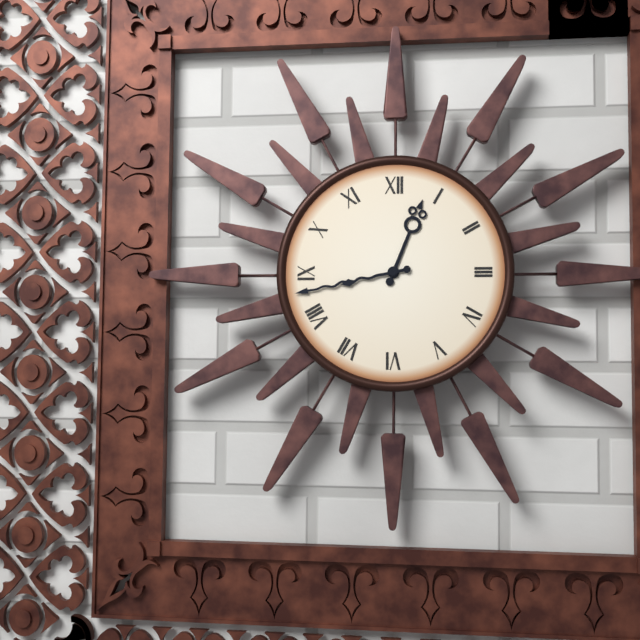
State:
12,43
